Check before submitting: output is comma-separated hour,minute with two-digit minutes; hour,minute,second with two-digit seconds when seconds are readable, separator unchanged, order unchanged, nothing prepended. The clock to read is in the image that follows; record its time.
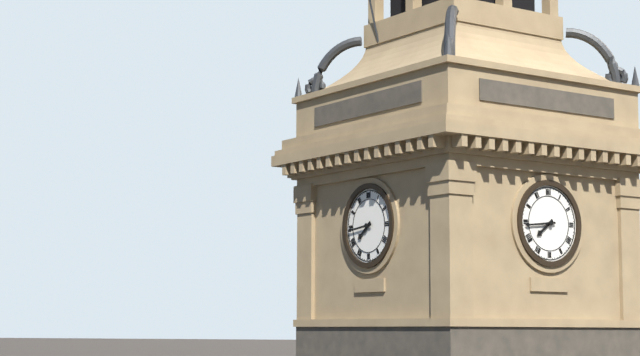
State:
7,44
